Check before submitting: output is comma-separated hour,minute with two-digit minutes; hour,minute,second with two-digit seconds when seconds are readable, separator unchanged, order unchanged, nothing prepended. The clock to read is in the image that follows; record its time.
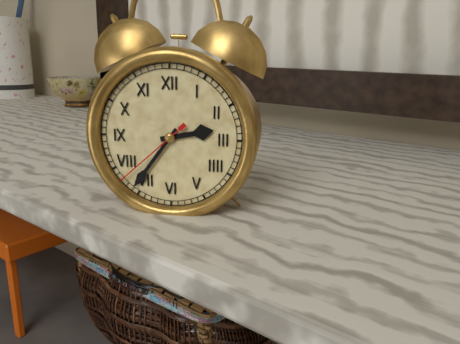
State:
2,36,38
